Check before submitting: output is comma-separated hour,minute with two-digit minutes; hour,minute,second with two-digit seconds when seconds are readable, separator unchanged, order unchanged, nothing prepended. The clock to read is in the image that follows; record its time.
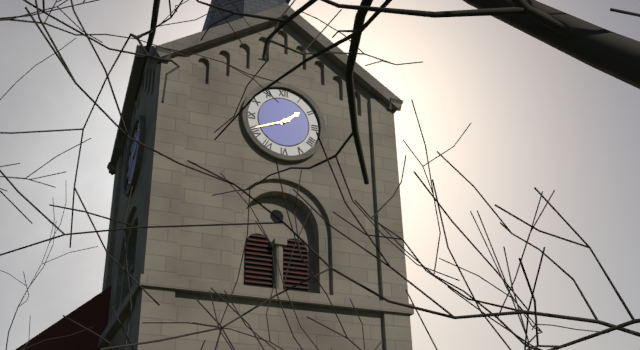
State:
1,41
